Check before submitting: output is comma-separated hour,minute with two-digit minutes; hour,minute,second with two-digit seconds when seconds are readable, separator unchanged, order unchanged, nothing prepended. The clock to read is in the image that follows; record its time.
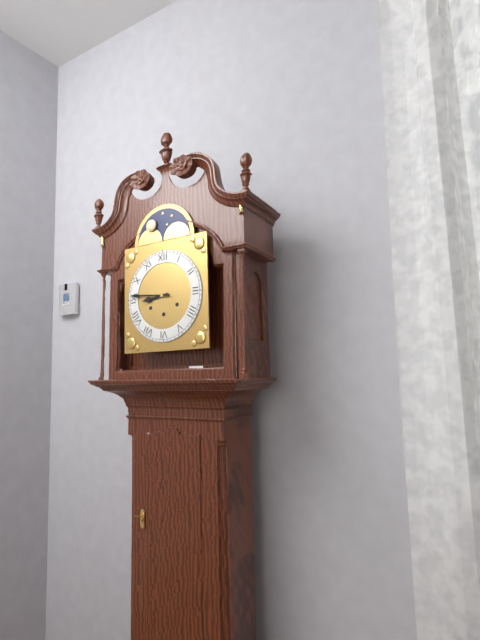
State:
8,46
